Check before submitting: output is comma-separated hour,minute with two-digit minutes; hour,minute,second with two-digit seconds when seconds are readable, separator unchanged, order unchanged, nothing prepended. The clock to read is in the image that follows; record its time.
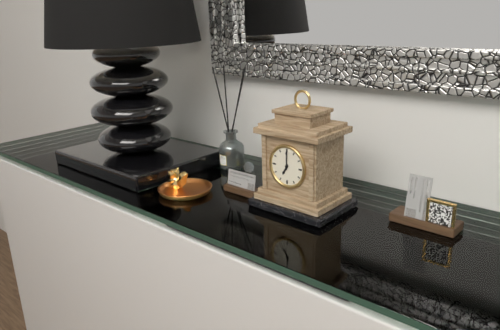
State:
7,00
